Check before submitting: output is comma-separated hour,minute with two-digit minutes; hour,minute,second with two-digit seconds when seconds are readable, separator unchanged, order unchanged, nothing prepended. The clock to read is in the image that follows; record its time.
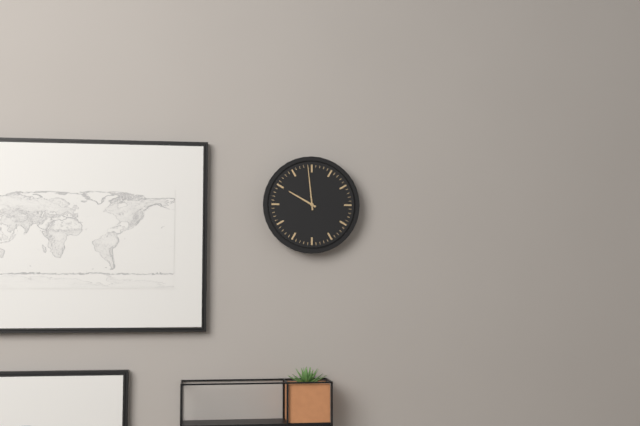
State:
9,59
